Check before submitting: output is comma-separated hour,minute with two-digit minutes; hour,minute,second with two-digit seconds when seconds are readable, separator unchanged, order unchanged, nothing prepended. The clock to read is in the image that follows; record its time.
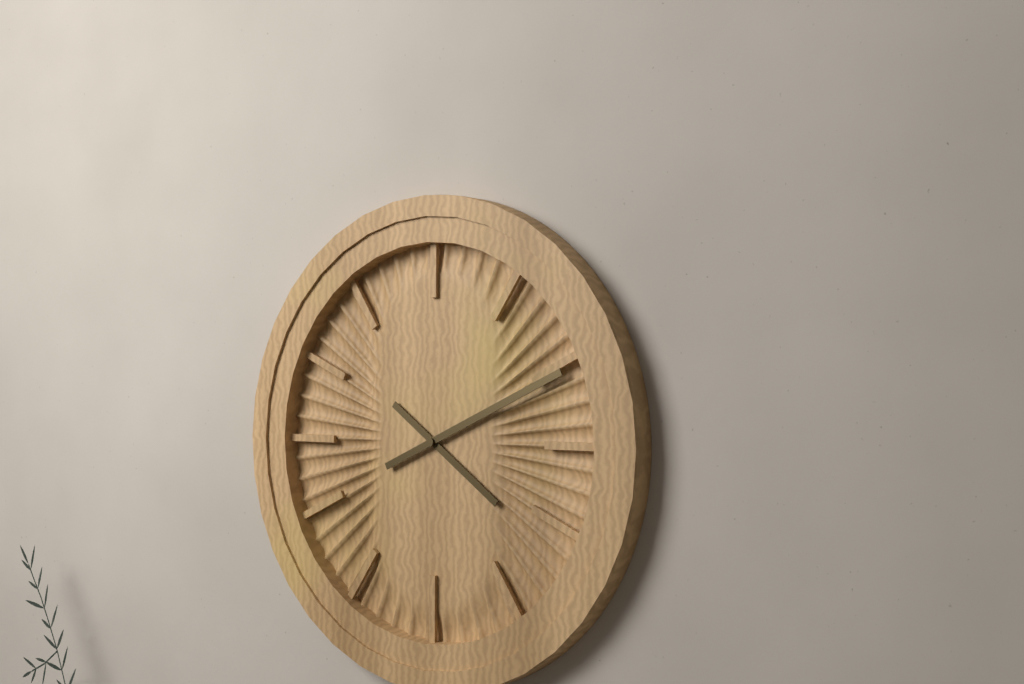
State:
4,11
